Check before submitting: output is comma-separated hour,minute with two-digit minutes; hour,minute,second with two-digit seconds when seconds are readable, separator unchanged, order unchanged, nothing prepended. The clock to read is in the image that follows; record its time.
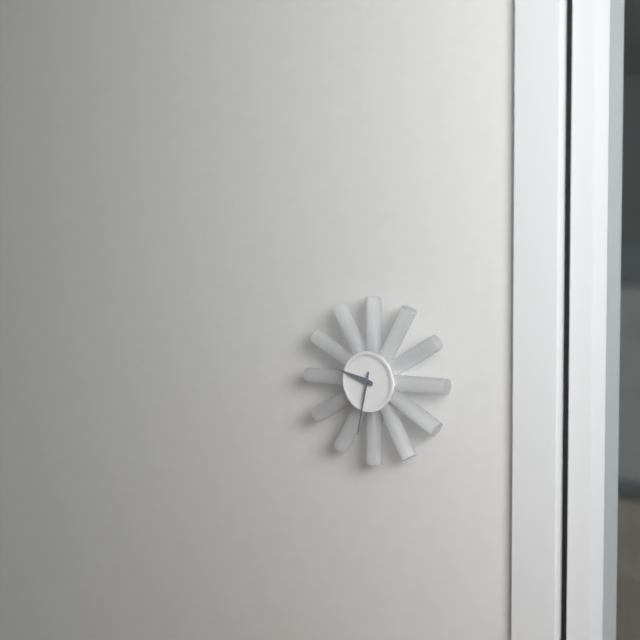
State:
9,32
